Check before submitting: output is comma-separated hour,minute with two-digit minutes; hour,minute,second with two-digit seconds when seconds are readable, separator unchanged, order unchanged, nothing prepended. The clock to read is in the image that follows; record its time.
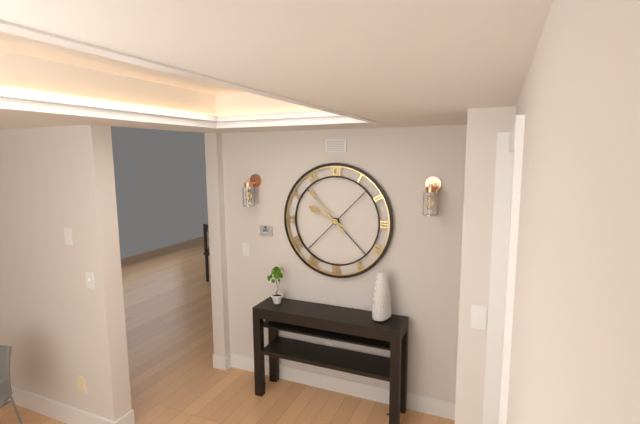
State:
9,53
